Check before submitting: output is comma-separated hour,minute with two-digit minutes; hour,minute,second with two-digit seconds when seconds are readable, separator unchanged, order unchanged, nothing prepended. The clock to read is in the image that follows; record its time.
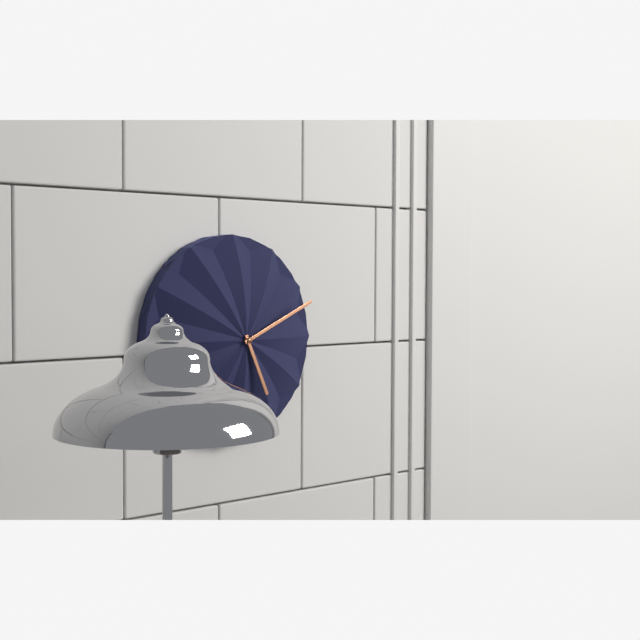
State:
5,11
